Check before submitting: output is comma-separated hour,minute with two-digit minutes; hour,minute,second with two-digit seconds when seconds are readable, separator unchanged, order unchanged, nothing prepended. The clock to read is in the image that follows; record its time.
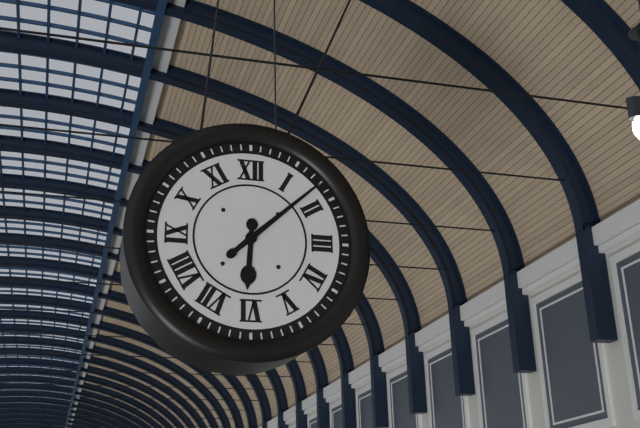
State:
6,08
